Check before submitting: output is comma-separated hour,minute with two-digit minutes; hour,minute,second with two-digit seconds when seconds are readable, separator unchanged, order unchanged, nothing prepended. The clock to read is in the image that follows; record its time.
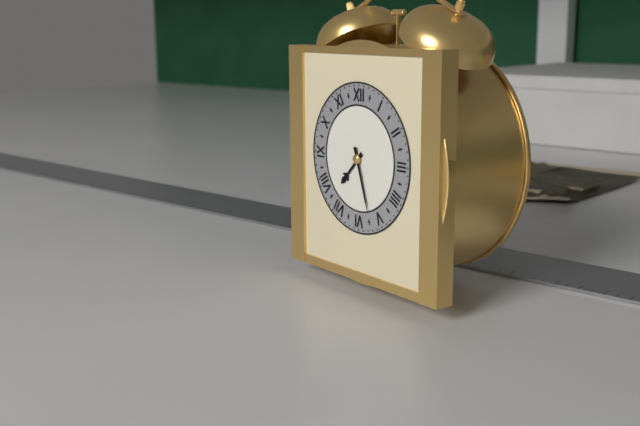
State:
7,27
